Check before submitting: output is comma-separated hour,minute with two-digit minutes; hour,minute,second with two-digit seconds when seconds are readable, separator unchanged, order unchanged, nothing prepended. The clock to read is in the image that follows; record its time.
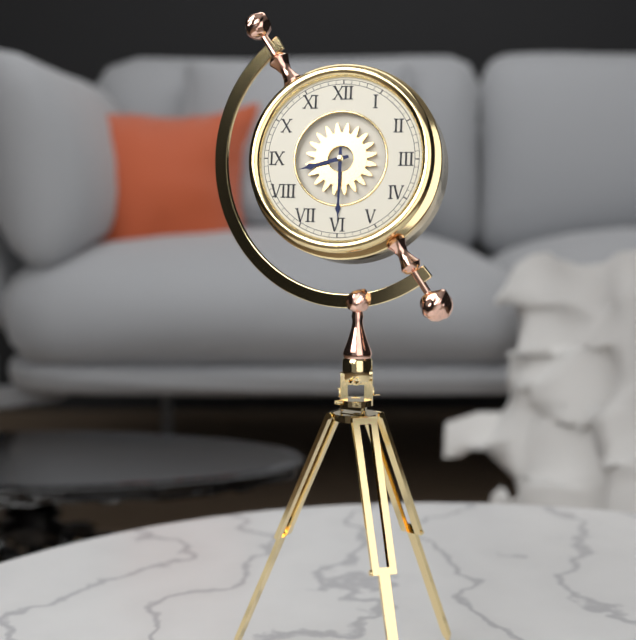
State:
8,30
